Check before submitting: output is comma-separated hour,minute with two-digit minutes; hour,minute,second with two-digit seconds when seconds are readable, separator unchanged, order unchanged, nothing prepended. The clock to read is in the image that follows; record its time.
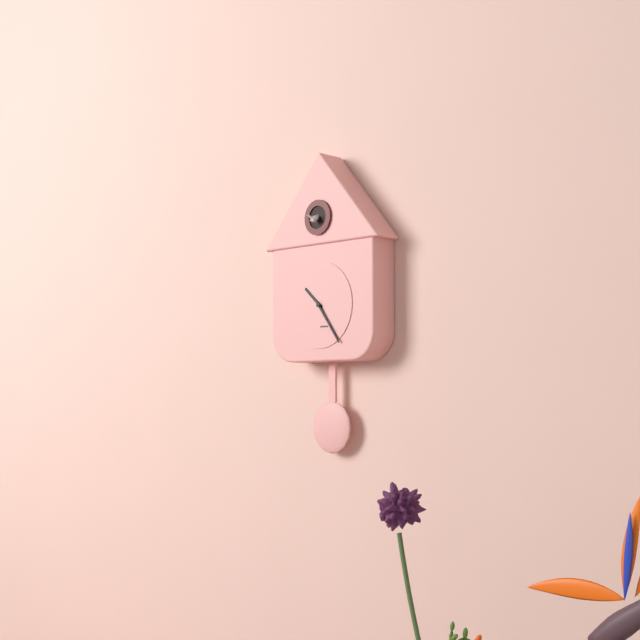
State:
10,24
